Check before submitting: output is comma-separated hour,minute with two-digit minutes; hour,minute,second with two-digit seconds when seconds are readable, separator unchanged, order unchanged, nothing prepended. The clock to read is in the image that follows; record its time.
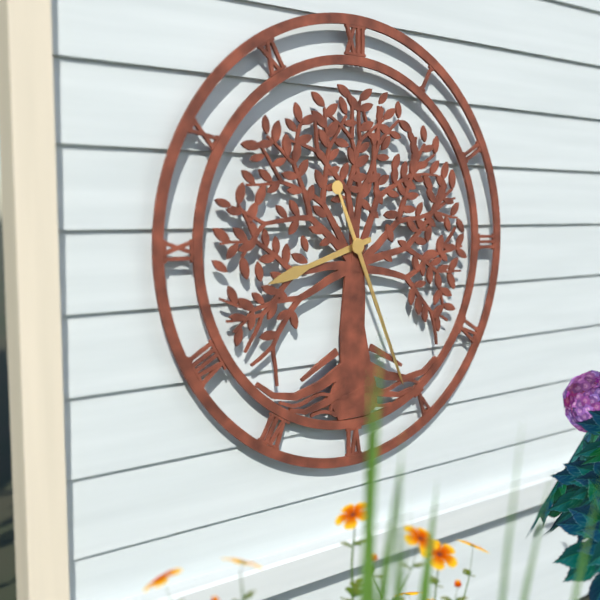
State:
8,26
